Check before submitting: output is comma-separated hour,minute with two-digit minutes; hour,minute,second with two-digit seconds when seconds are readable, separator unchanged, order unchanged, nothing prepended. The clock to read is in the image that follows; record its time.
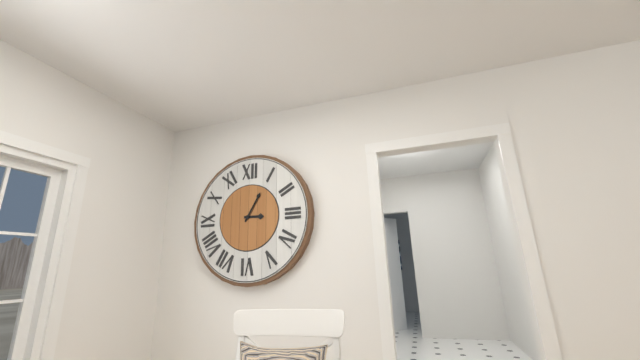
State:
3,05
